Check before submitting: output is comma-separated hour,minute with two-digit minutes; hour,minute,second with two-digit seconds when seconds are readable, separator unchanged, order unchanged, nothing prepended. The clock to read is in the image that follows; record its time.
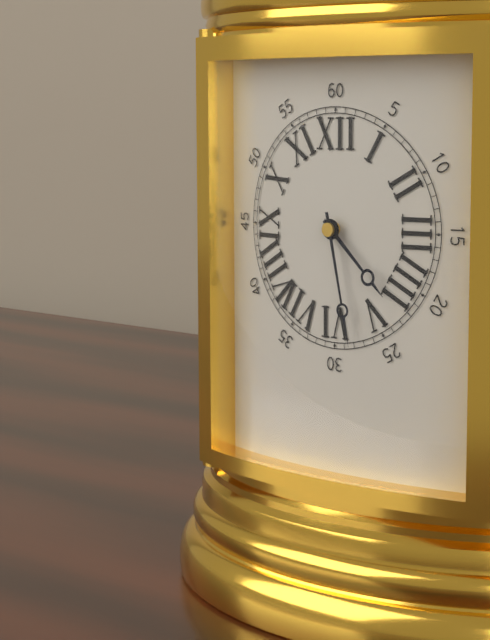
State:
4,28
